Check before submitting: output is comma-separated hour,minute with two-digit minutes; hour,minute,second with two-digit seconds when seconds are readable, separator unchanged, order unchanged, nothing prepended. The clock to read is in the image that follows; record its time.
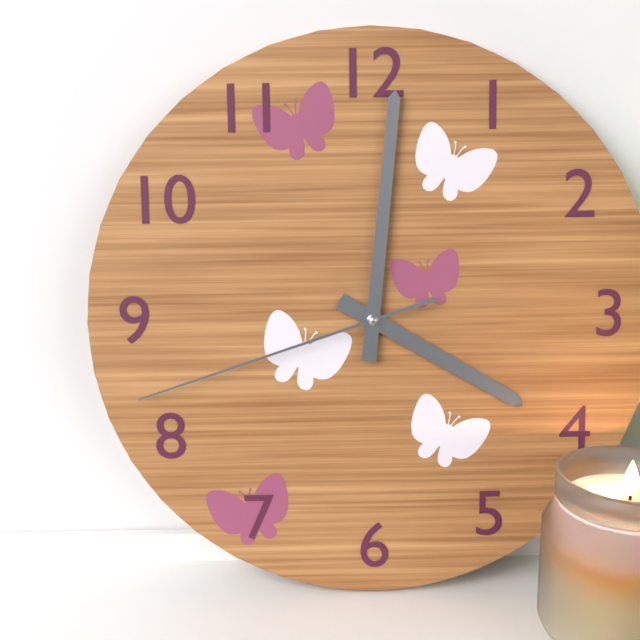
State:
4,01,42
